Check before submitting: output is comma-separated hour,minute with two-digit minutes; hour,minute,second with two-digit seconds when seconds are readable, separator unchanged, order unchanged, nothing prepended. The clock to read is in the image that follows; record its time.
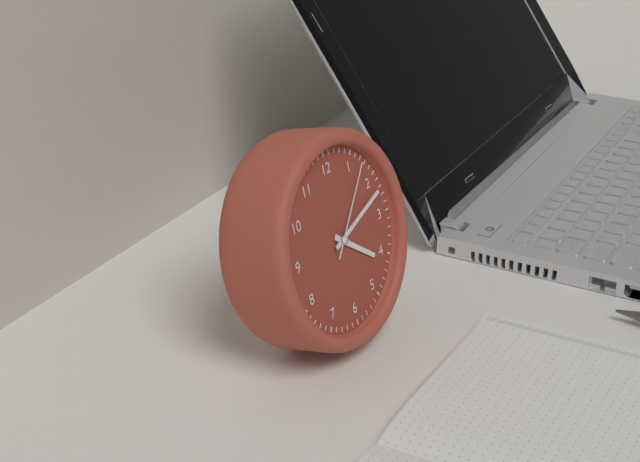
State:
4,12,07
